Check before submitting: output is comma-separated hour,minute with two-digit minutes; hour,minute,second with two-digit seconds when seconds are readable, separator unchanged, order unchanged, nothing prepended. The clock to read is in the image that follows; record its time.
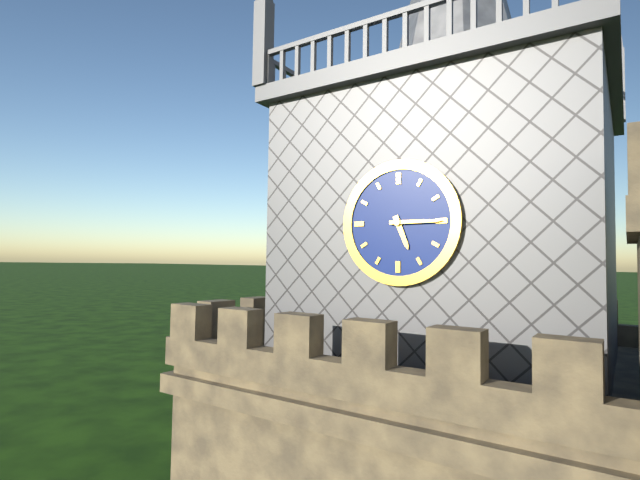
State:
5,15
